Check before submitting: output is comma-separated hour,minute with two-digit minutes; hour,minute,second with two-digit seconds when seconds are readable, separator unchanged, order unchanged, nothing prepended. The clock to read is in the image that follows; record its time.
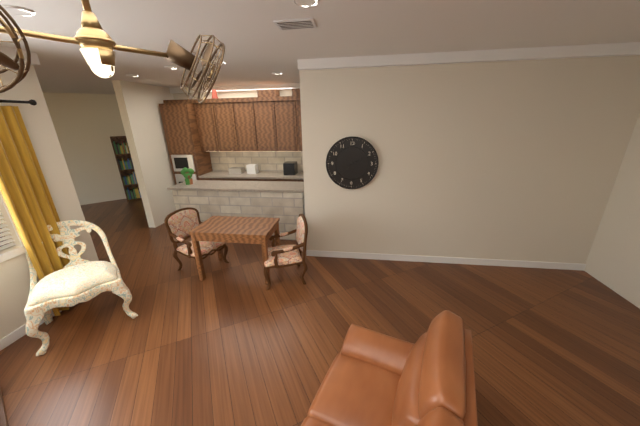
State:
7,11
